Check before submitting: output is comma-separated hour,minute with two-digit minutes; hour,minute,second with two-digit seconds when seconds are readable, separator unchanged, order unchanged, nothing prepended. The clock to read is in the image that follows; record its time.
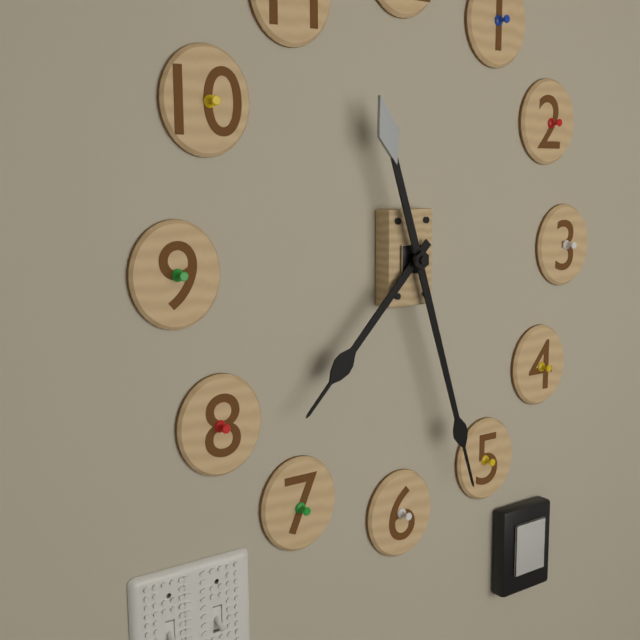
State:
7,27
